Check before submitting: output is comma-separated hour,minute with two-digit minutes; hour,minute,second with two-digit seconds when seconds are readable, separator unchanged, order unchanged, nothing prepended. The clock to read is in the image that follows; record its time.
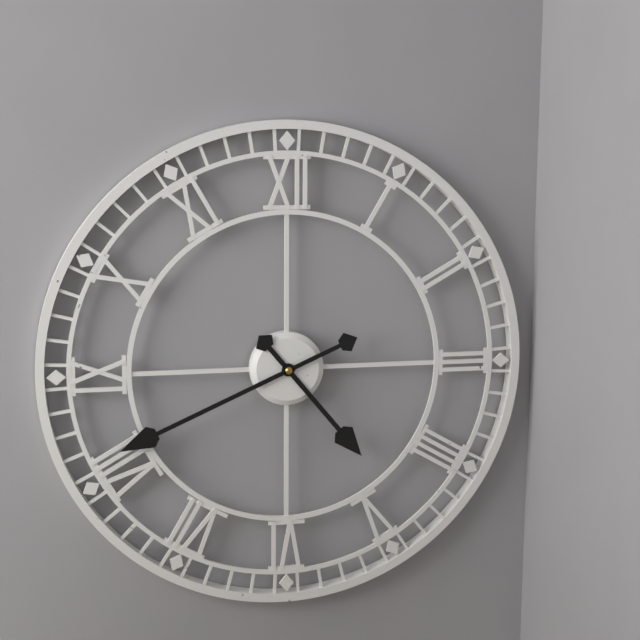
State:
4,41
